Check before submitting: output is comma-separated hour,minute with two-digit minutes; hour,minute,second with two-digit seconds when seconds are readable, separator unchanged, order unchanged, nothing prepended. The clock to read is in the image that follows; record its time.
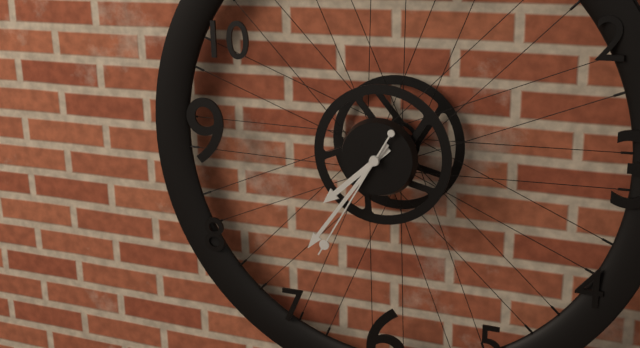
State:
7,36,35
